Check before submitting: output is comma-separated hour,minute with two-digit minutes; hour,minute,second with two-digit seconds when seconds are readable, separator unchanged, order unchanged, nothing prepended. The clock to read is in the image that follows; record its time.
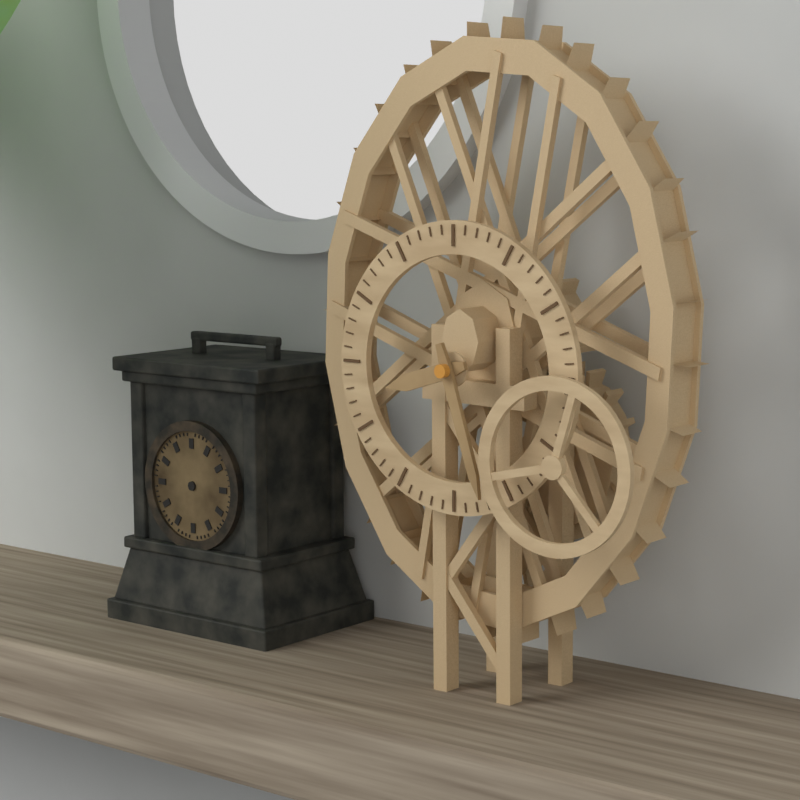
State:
8,27
